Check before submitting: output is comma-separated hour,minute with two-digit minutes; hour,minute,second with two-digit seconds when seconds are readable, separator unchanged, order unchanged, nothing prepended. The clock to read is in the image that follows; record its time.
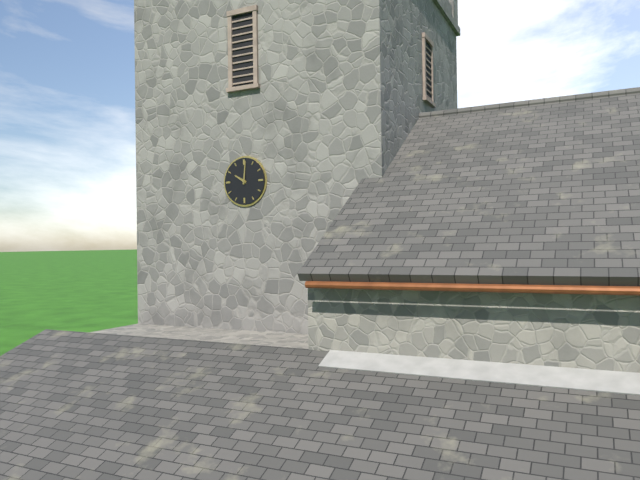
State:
10,01
